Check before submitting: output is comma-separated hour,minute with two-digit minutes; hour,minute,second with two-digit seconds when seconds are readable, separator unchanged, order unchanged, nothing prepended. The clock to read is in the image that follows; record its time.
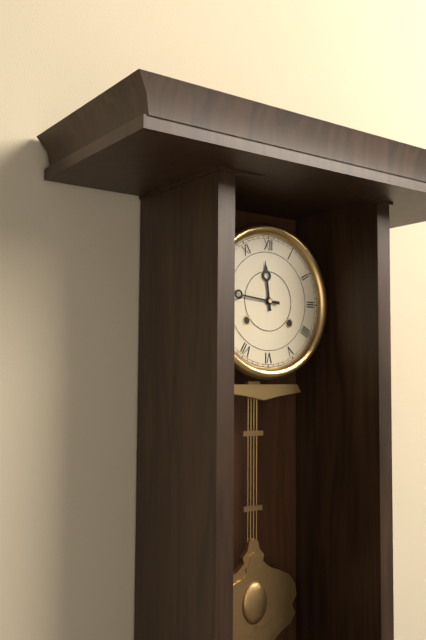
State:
11,46
